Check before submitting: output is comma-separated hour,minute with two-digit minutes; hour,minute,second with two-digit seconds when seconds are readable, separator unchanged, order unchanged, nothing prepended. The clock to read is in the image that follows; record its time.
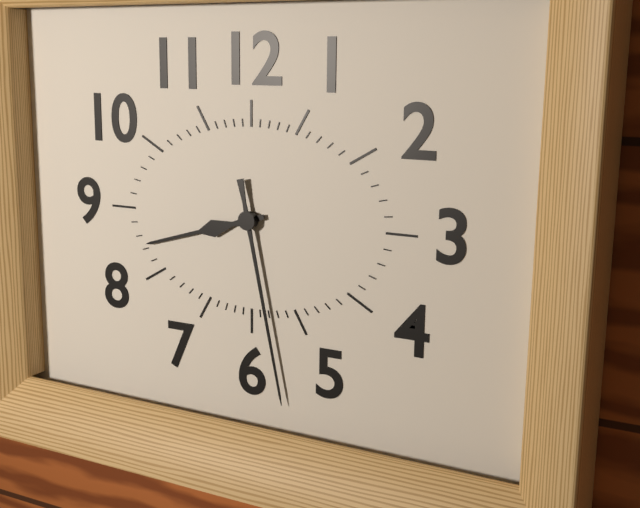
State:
8,28
